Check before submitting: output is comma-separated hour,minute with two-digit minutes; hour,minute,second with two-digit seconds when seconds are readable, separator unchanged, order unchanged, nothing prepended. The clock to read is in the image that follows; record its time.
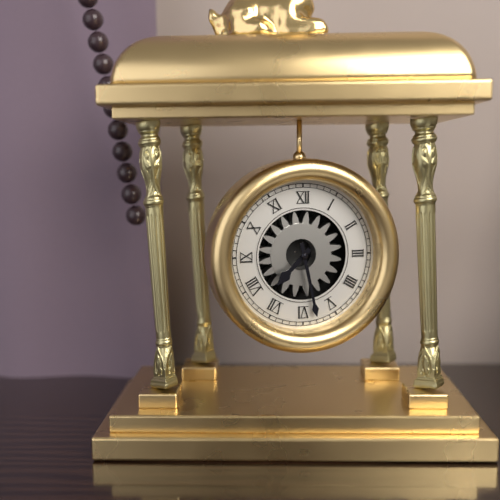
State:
7,28
